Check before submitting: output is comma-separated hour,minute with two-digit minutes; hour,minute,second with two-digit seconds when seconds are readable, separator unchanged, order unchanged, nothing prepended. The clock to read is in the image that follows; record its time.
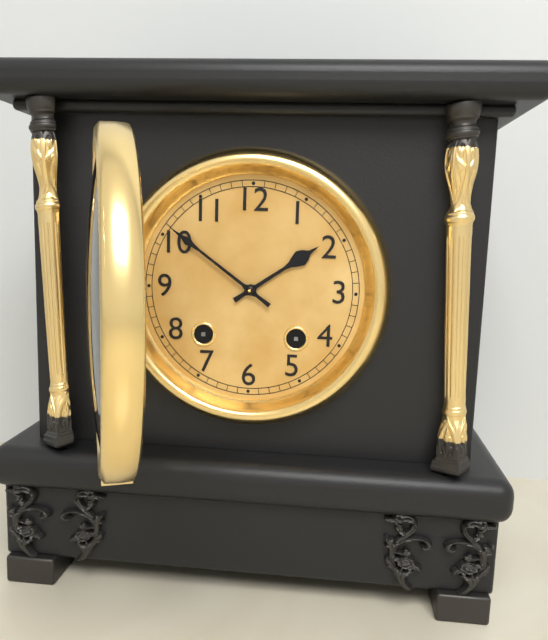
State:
1,51
